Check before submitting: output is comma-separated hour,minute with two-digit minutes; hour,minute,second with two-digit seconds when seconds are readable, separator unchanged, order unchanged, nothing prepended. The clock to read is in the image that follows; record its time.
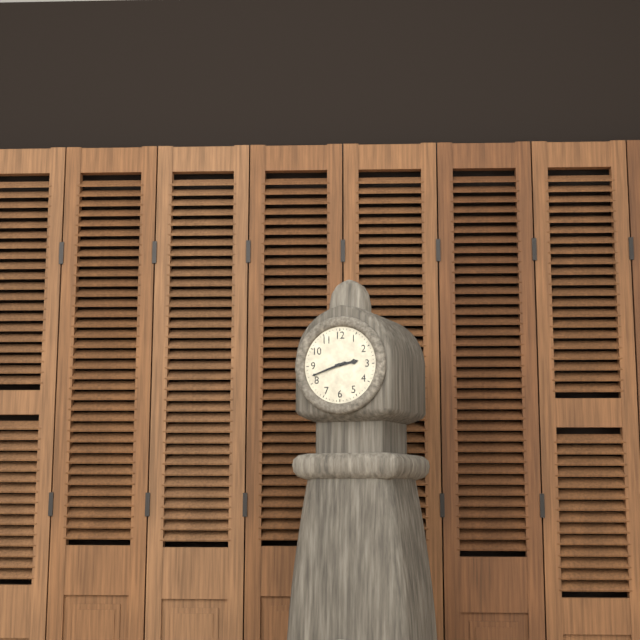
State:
2,42
